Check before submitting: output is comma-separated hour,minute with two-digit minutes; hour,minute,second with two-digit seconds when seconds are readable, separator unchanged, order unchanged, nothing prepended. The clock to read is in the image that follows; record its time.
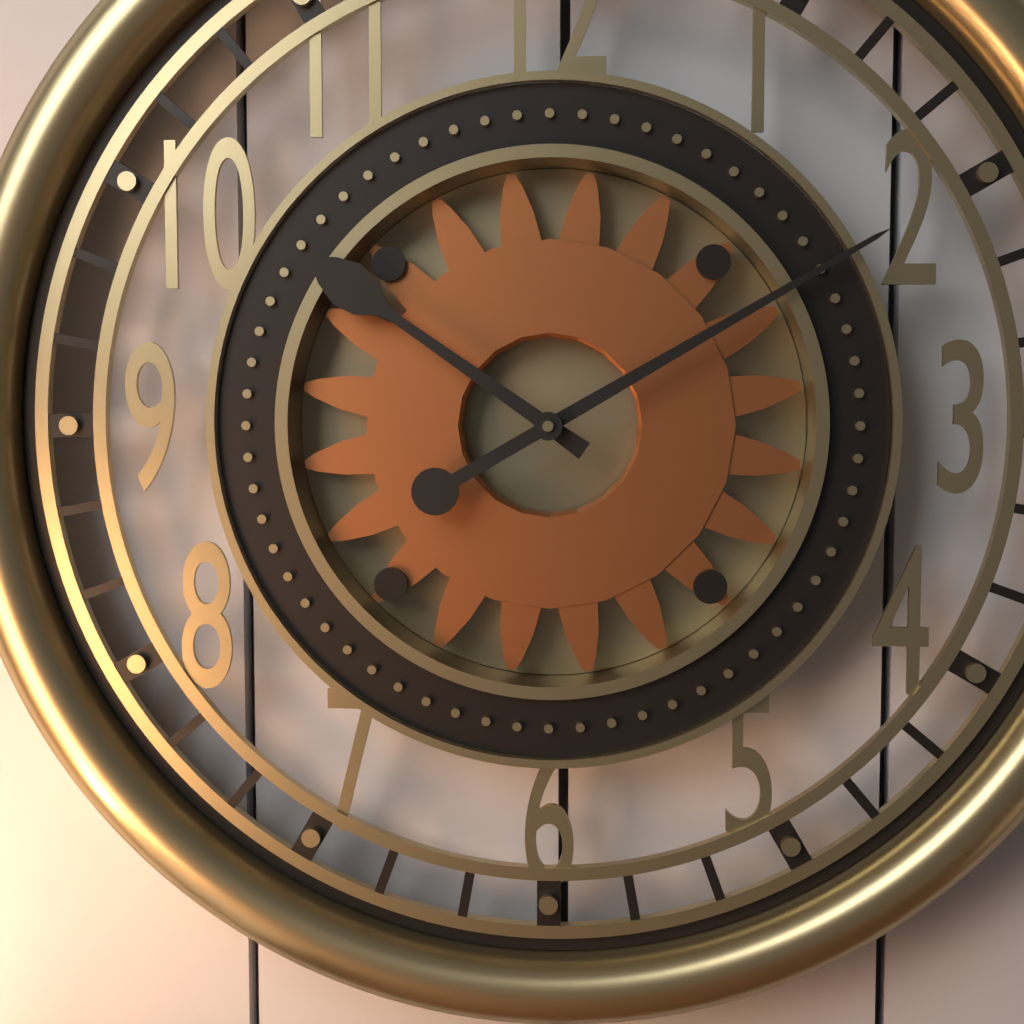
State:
10,10
